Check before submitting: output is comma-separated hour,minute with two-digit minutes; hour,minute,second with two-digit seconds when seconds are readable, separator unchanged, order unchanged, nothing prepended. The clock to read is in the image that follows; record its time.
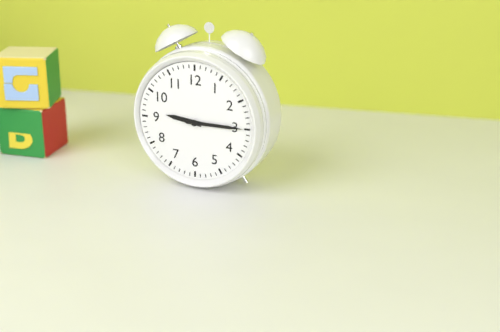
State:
9,15
